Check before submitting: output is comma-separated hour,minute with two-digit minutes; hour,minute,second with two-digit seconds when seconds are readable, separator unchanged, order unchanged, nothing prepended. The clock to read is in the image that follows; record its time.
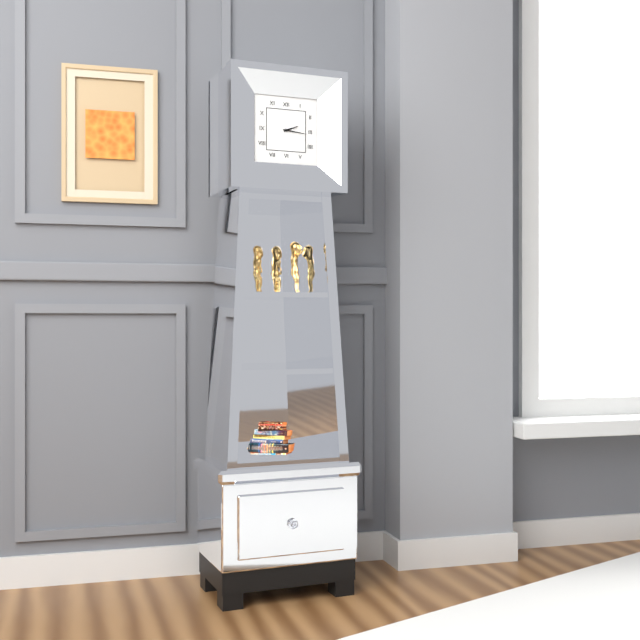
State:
2,16
